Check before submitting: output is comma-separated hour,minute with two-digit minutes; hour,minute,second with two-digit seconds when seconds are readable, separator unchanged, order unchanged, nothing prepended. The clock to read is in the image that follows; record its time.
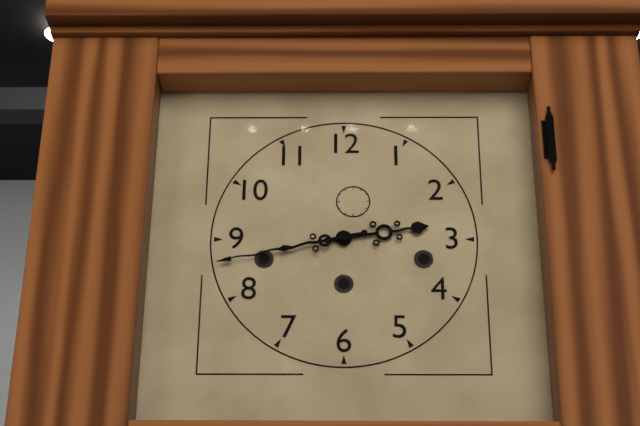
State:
2,43
